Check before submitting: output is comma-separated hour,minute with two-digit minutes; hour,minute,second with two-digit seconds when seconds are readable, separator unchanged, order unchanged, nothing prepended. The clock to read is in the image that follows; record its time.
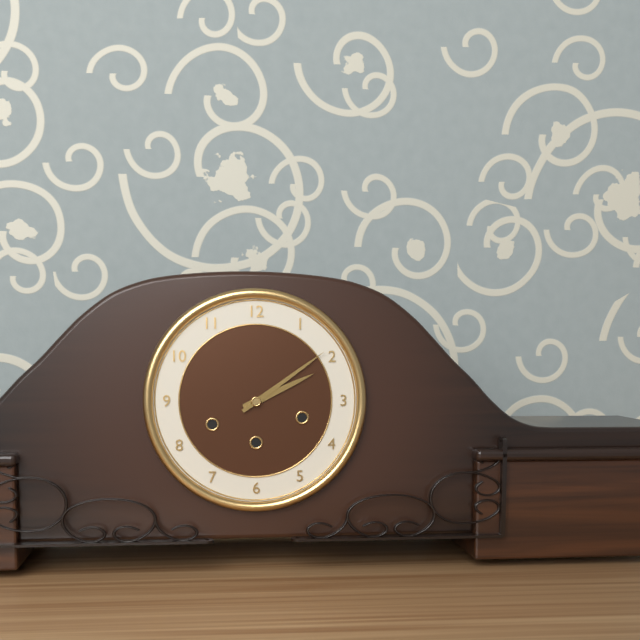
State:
2,09
